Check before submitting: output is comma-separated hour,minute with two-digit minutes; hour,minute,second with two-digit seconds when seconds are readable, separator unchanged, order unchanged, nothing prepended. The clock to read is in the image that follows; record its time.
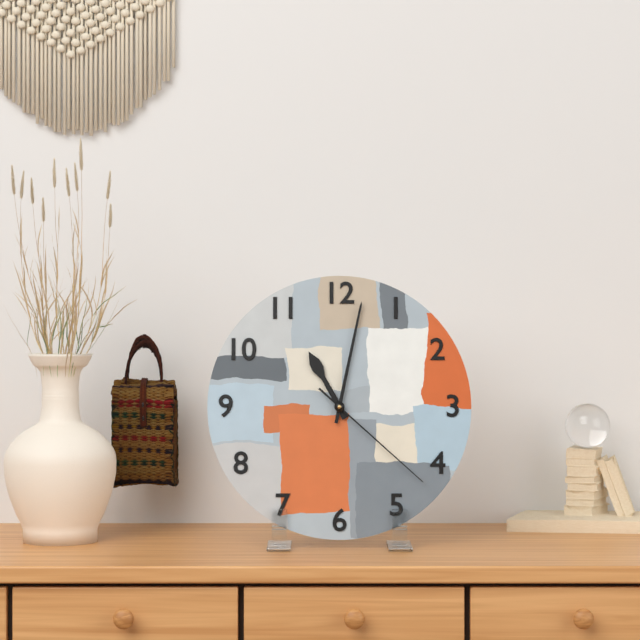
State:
11,02,22
